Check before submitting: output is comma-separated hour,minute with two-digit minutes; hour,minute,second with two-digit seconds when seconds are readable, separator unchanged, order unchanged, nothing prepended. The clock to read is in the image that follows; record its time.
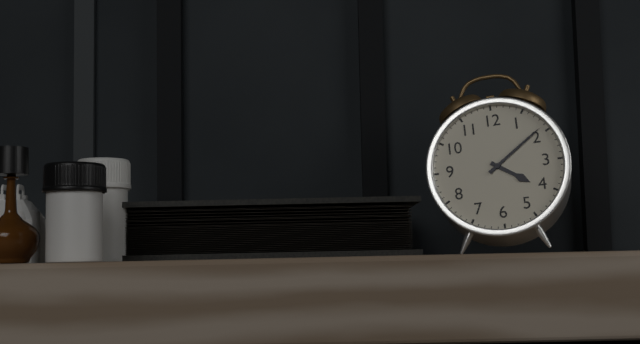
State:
4,09
